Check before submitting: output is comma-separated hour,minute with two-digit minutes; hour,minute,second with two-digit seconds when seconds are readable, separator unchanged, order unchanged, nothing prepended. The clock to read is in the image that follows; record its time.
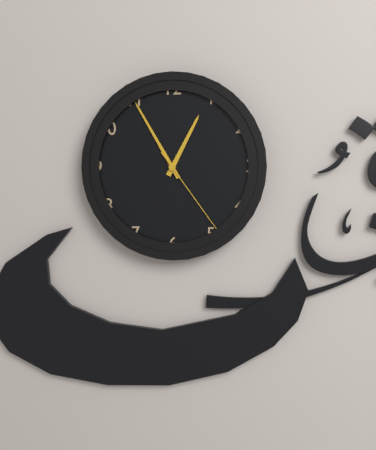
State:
12,55,24
